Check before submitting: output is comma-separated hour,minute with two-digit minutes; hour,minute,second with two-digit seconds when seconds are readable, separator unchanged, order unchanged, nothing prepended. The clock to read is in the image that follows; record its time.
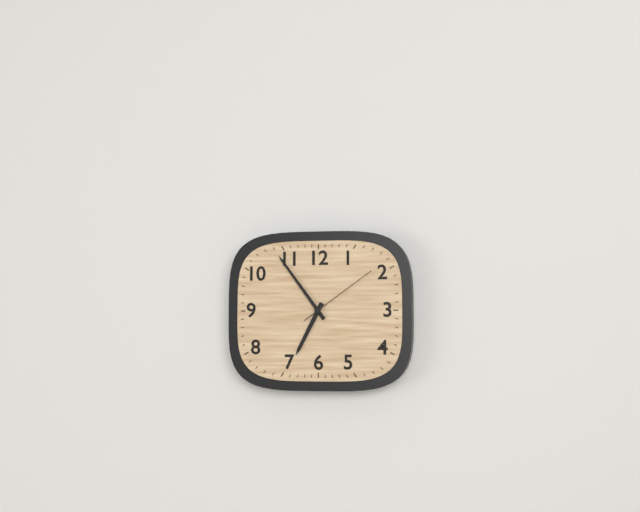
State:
6,54,09
